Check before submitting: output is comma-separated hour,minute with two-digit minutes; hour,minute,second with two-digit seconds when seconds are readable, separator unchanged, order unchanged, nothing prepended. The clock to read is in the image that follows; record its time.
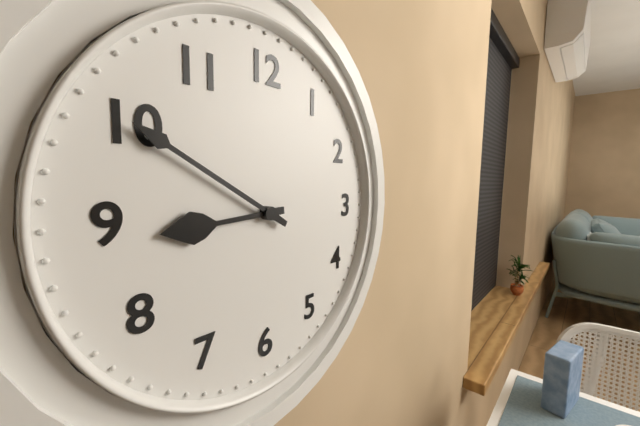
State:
8,50
